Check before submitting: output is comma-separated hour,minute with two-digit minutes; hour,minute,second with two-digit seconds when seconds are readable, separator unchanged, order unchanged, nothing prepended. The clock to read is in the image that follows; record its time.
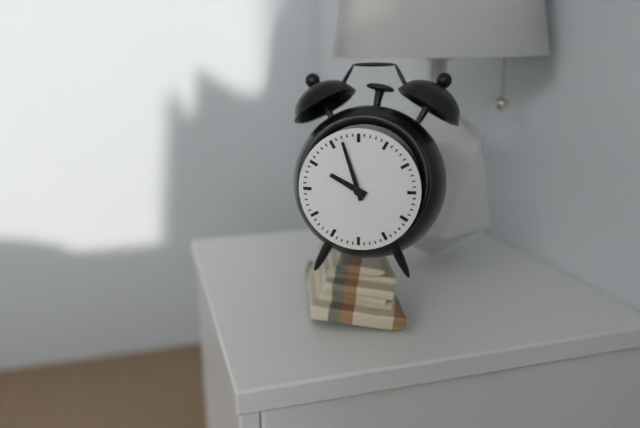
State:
9,57
